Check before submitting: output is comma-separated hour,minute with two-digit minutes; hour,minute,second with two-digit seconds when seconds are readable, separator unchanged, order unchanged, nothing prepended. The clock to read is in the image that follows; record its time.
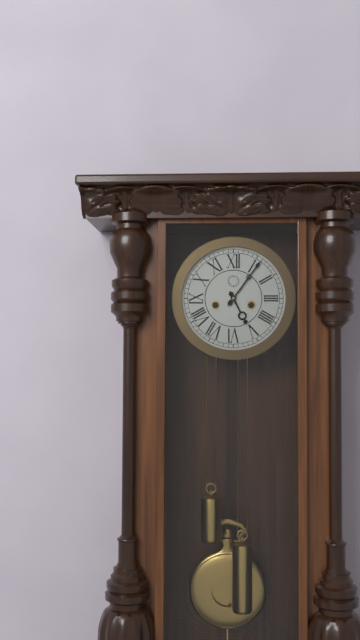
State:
5,06
